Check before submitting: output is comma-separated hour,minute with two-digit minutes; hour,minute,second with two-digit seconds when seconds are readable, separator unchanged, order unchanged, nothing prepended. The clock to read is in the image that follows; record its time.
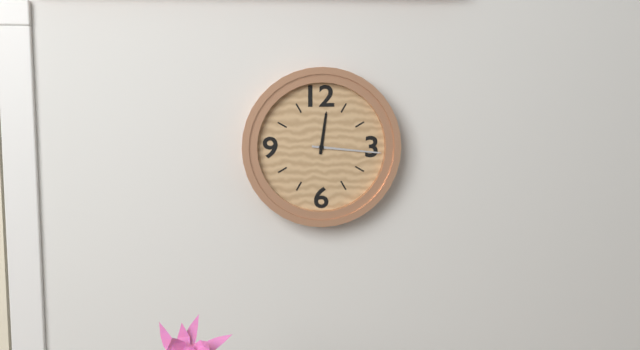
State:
12,16
